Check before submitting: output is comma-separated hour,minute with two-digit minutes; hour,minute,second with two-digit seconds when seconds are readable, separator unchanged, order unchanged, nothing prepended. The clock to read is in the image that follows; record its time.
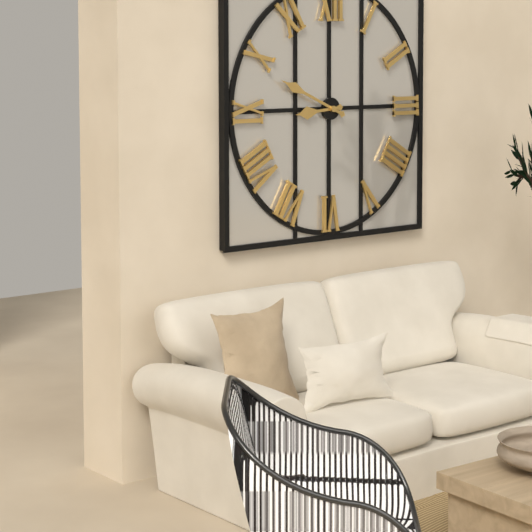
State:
8,49
